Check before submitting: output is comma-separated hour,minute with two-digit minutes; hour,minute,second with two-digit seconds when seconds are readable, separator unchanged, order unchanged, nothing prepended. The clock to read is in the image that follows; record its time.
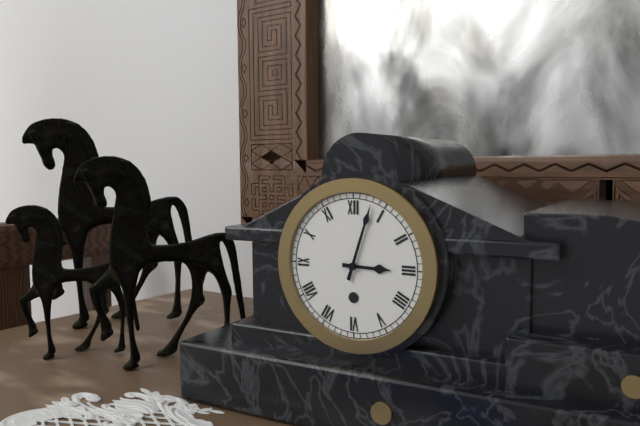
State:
3,03
